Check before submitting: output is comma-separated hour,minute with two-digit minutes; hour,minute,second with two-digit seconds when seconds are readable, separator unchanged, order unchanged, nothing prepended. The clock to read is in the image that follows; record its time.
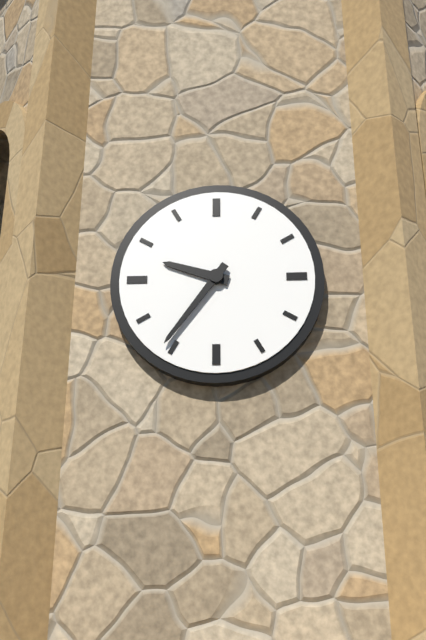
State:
9,36
